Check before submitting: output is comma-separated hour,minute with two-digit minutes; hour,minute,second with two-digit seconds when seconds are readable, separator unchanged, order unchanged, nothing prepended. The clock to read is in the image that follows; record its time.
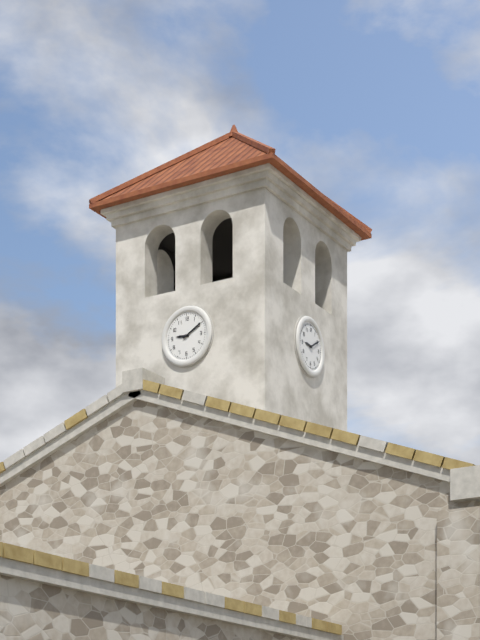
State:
9,10
